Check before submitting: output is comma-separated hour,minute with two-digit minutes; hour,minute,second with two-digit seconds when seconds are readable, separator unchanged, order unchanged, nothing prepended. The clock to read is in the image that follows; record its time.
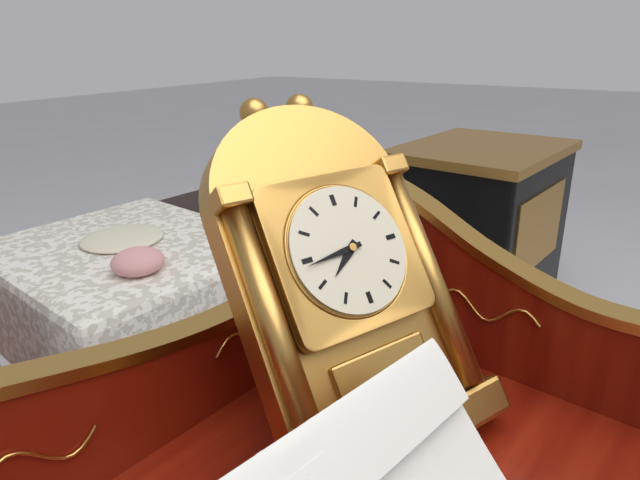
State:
7,44
